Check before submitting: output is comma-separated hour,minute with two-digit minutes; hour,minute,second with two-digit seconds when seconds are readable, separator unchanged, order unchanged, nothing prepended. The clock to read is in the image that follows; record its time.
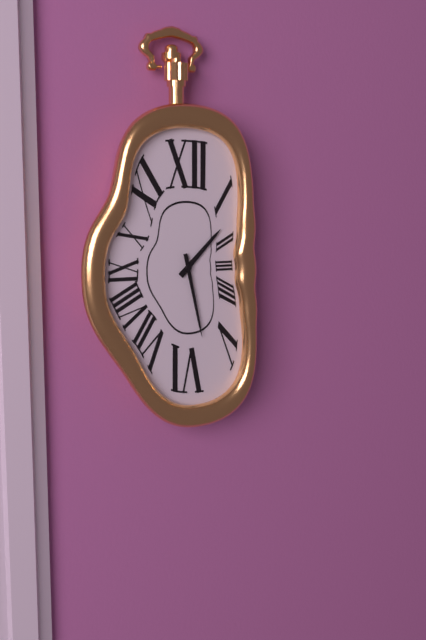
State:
1,28
